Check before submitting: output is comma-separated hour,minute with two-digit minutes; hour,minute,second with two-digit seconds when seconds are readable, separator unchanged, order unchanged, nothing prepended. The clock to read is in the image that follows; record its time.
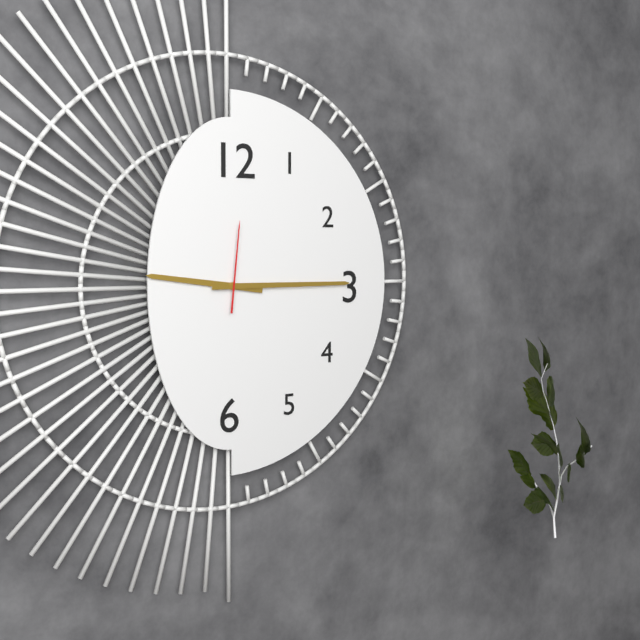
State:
9,15,01
